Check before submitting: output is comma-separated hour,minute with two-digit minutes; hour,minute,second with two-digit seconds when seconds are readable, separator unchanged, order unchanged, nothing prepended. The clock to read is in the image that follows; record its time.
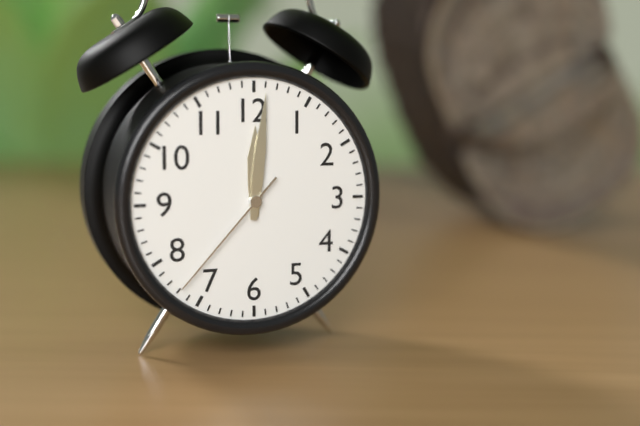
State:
12,01,37
